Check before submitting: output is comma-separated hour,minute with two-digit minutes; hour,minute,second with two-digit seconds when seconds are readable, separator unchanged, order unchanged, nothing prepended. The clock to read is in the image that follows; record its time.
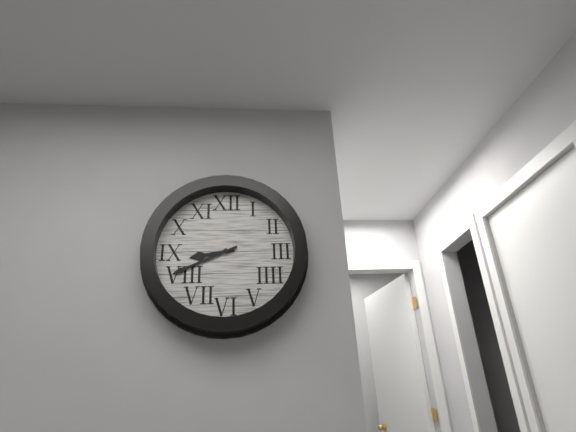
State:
8,41
